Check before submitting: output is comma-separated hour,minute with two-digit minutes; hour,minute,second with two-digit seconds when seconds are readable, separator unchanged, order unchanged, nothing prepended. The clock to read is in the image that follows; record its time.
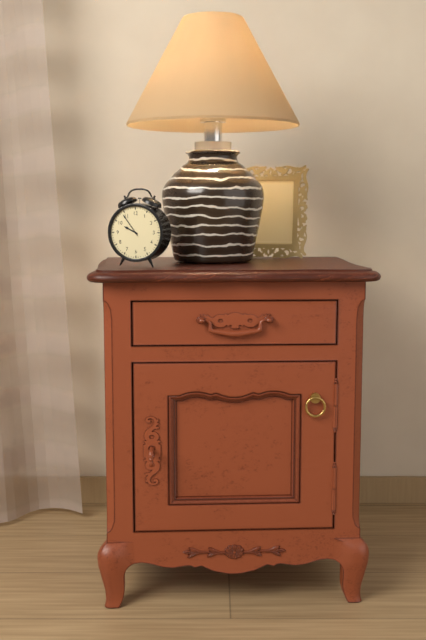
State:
9,54
